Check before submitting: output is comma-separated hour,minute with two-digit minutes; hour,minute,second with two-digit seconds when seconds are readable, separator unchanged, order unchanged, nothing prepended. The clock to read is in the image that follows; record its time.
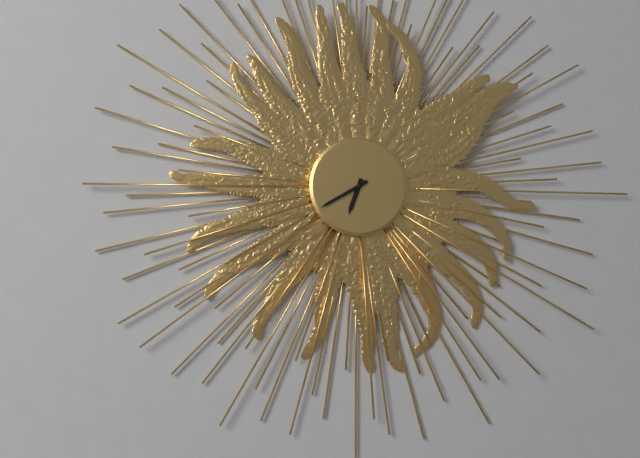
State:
6,40
